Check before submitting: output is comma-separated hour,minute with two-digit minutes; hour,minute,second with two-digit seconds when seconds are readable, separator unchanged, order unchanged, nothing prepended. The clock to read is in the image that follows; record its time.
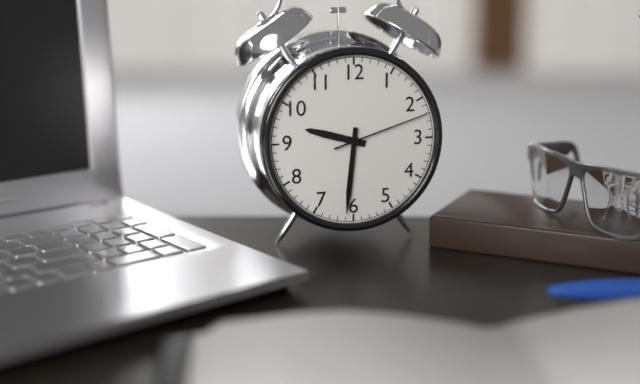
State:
9,31,12
